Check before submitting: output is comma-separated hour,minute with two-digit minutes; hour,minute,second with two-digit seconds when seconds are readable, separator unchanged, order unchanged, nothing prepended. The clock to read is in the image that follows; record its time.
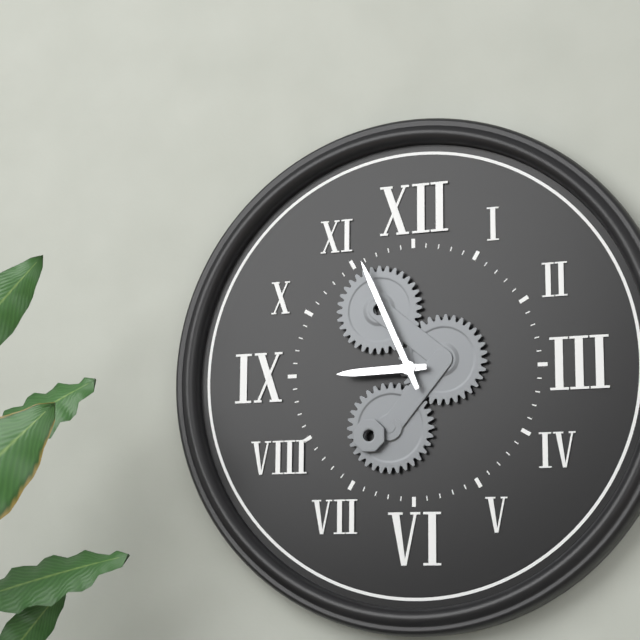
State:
8,56
